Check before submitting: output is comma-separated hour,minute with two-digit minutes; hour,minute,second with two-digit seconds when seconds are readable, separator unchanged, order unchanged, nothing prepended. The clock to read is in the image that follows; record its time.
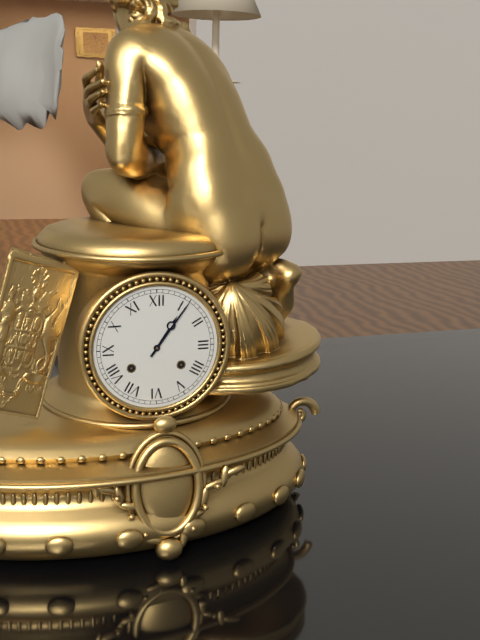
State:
1,06
